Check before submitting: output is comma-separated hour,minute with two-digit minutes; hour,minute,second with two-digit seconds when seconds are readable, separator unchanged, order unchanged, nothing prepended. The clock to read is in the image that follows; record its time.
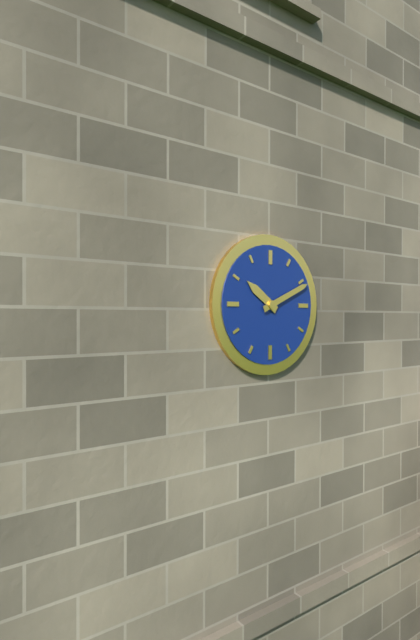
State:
10,11
